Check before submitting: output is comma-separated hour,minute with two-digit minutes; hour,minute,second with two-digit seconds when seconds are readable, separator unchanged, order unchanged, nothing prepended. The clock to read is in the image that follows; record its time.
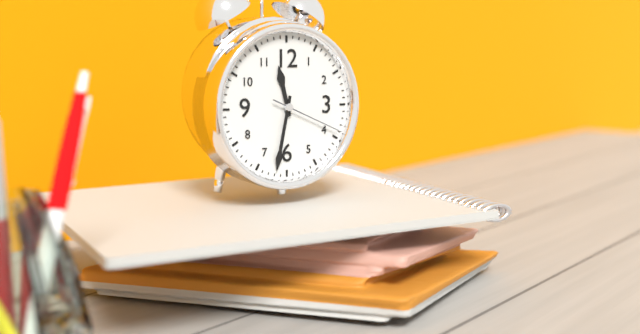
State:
11,32,19
